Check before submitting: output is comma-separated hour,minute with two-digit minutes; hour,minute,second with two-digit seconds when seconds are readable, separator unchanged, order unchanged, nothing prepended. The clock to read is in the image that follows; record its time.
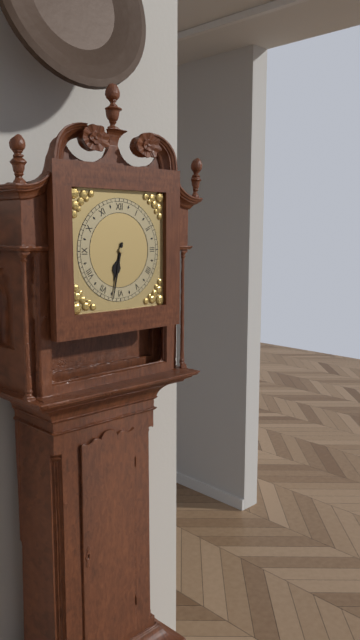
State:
6,32
